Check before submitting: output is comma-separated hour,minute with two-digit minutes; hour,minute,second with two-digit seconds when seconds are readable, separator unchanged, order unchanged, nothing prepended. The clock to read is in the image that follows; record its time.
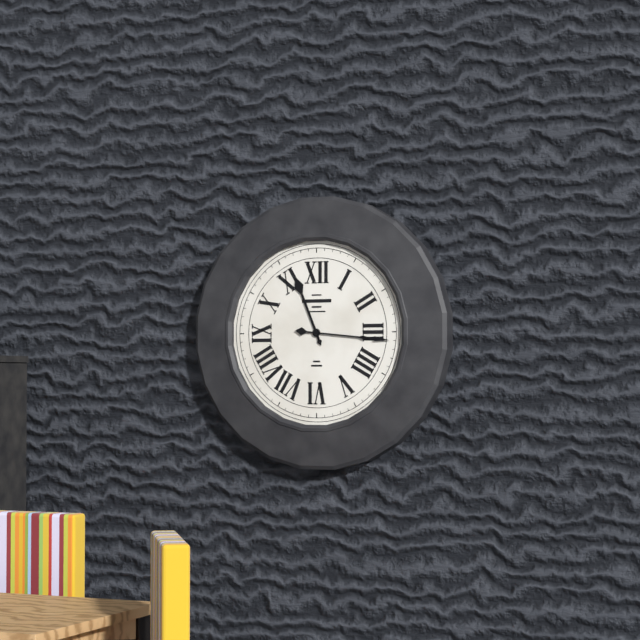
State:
11,16
